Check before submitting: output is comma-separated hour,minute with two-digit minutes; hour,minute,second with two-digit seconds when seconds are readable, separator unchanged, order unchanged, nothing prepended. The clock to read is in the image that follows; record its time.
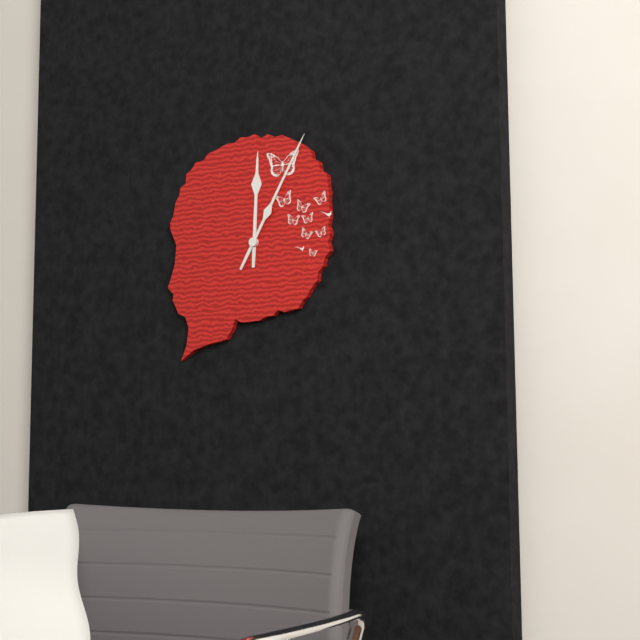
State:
12,05
